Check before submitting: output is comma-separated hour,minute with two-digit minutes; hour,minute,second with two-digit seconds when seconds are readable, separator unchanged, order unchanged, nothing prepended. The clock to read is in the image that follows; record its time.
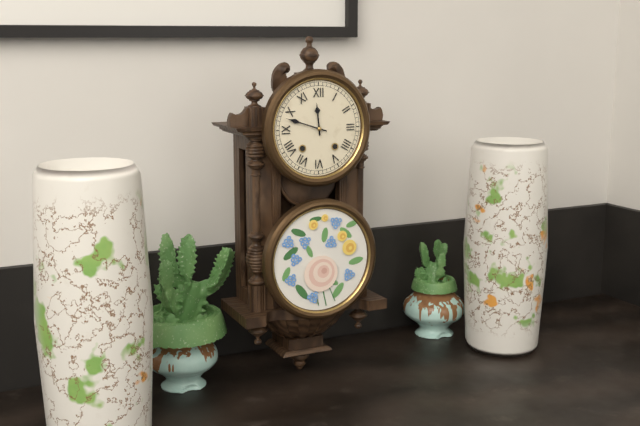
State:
11,48
